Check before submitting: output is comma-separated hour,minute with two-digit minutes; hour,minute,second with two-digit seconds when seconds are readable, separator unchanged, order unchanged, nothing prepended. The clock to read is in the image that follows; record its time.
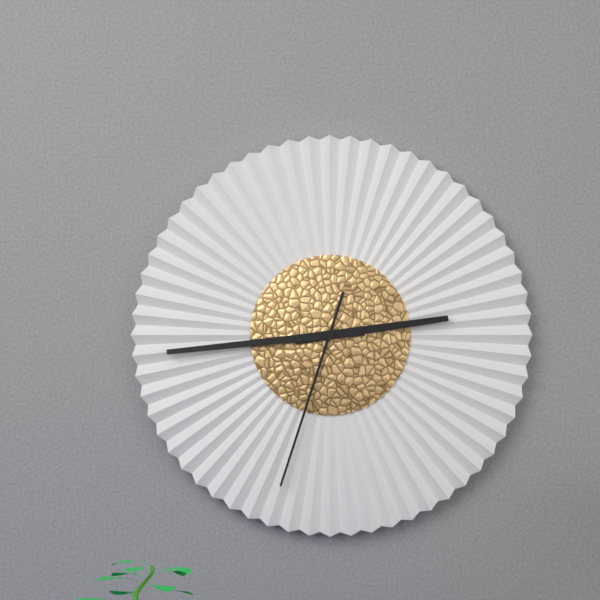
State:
2,44,33
